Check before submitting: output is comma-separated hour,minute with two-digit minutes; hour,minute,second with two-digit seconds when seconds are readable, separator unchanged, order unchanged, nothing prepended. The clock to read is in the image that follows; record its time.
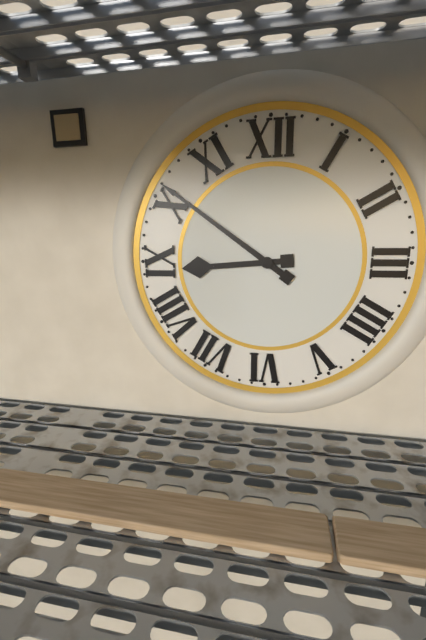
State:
8,51
